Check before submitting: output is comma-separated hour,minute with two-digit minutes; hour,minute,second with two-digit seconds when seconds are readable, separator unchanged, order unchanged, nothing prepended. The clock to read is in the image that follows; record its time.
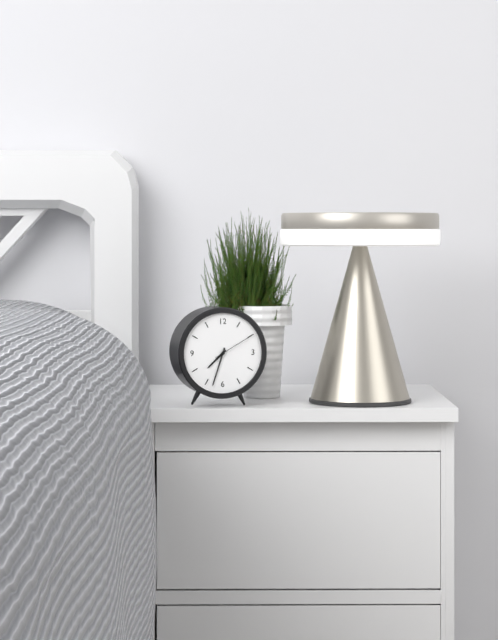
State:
7,33
